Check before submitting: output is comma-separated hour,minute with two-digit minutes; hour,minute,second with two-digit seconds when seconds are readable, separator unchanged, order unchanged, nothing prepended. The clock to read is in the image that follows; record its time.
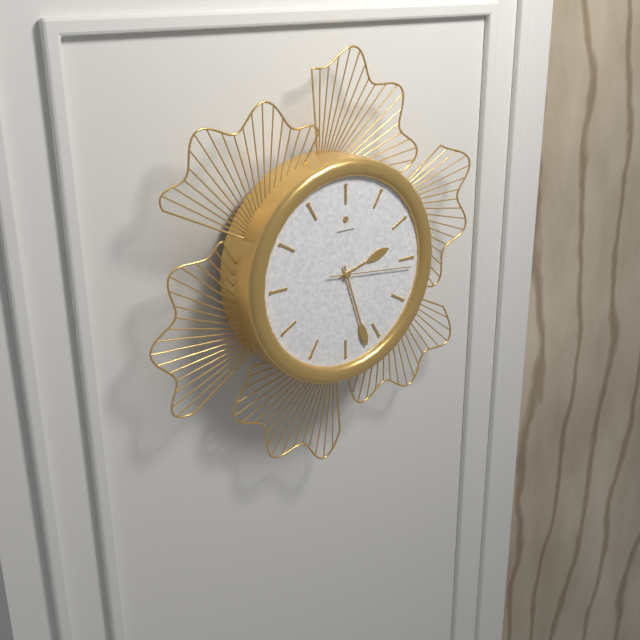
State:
2,27,16
